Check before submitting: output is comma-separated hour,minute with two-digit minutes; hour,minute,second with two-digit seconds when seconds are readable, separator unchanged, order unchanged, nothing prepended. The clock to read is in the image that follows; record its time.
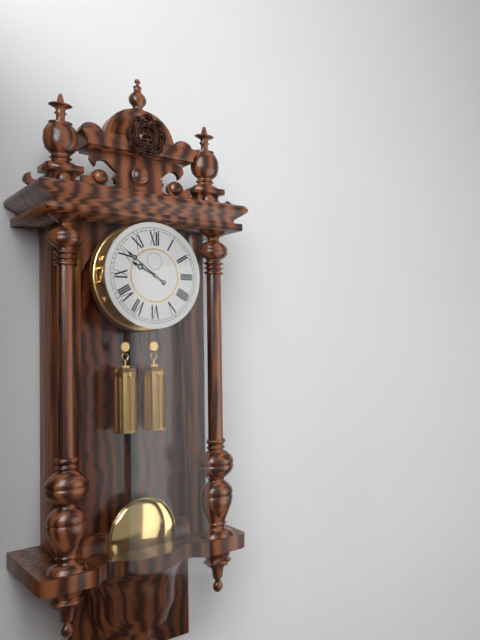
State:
9,51
